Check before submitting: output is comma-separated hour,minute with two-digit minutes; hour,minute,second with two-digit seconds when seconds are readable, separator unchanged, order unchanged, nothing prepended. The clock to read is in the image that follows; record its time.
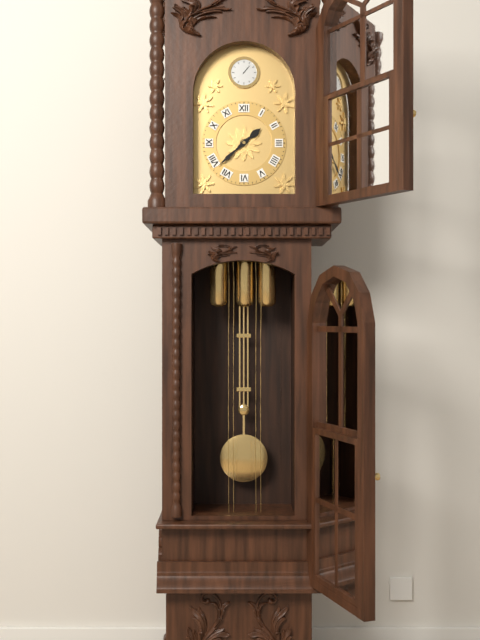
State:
1,38
